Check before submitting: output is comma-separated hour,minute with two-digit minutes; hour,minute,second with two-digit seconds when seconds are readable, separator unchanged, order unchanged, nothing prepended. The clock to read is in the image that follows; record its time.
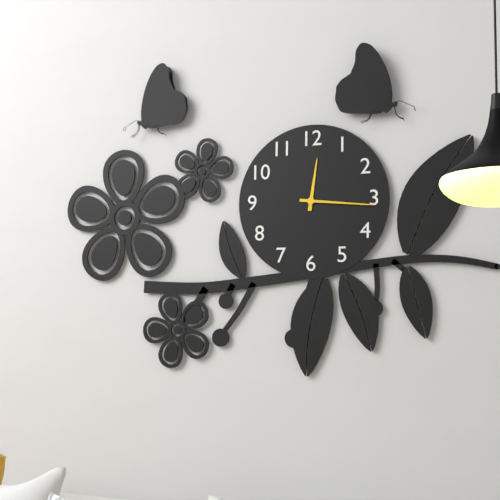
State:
12,16
